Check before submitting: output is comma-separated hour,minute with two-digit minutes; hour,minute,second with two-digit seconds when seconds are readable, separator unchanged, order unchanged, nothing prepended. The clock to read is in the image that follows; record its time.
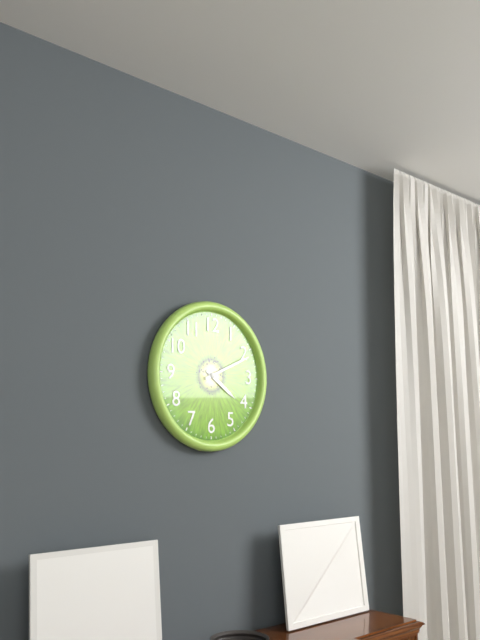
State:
4,11
